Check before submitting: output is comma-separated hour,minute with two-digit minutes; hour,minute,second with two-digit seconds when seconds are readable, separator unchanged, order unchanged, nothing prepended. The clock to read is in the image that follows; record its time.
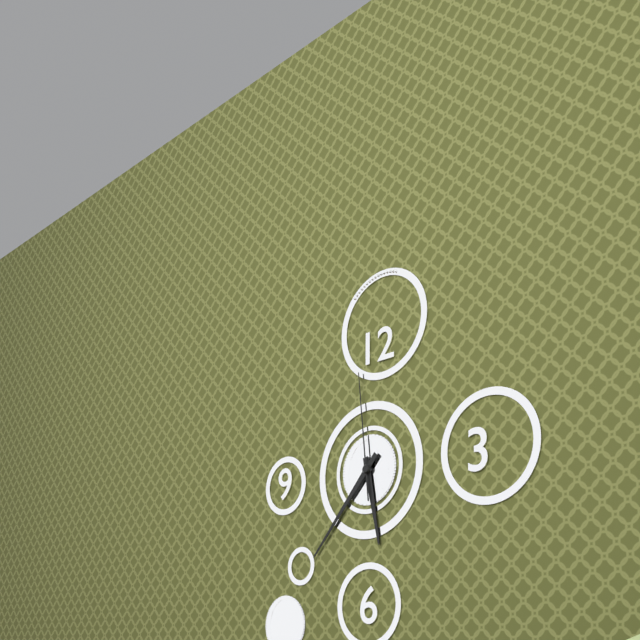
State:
5,37,59
